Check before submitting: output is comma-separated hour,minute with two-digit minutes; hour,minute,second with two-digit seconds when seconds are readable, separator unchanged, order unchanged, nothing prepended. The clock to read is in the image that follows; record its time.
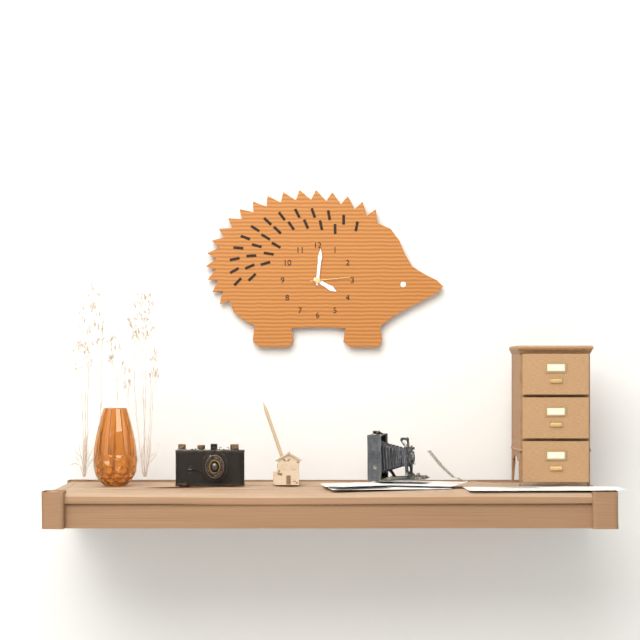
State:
4,01
